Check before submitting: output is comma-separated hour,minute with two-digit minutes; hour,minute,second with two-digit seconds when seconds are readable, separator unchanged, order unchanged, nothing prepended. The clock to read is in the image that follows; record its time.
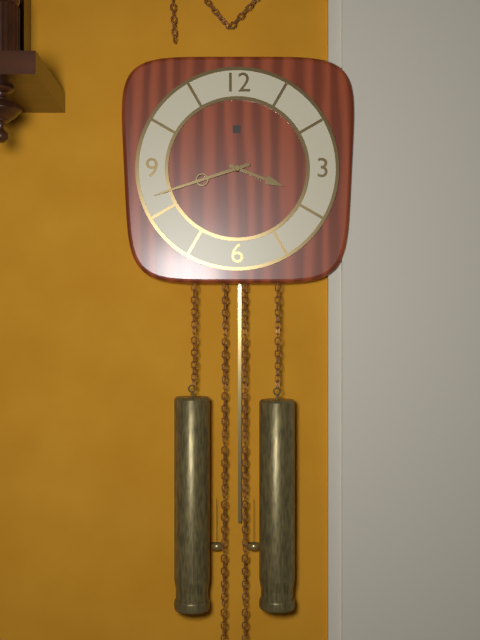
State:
3,42
